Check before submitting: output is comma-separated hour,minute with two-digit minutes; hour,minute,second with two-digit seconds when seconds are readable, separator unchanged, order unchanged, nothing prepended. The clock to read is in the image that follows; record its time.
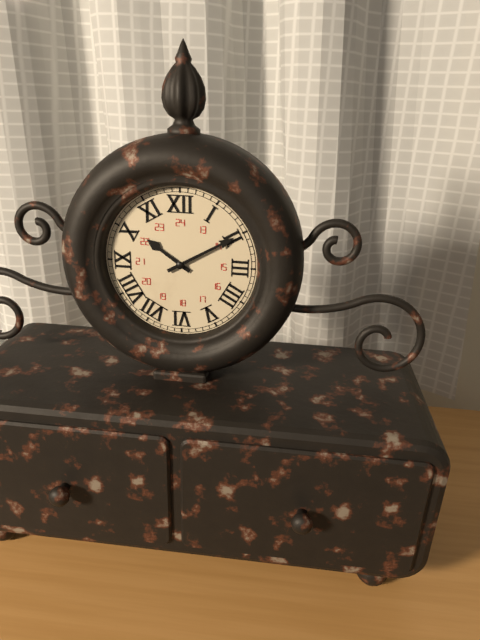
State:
10,10
